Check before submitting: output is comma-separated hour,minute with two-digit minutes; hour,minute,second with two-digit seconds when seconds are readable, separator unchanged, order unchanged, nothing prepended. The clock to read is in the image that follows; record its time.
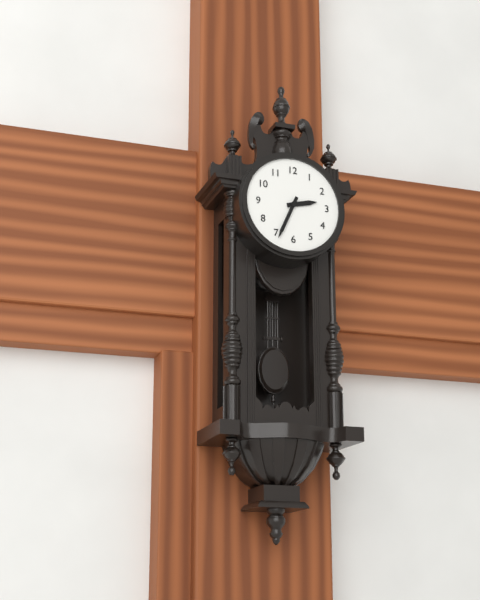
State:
2,34
